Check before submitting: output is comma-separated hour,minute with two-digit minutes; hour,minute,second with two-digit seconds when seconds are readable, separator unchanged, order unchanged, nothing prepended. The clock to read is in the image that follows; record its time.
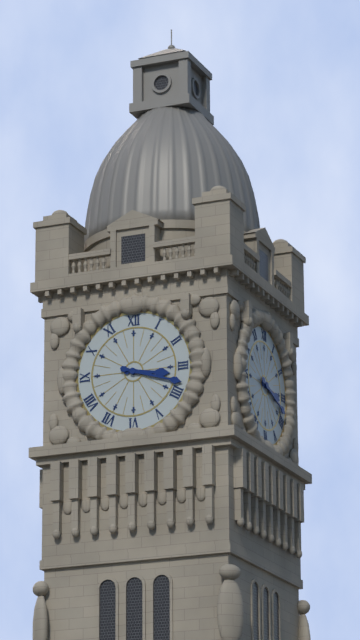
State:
3,18
